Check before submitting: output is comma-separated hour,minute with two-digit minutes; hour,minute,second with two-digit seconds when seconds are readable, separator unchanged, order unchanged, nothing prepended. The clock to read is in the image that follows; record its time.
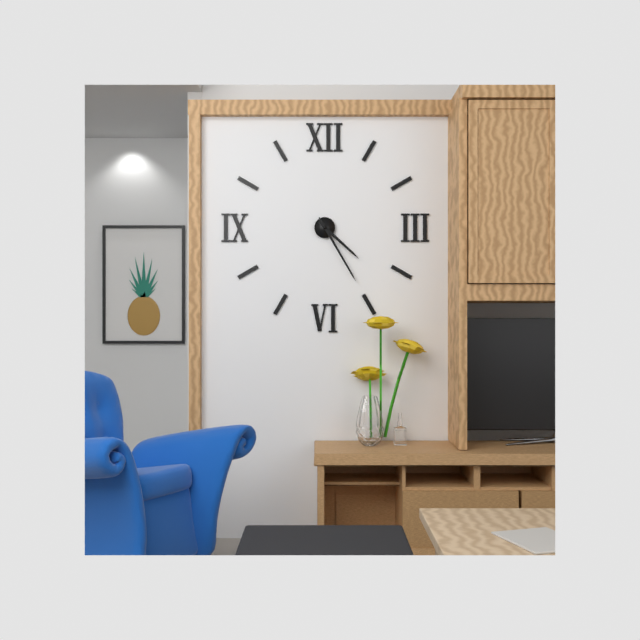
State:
4,25
